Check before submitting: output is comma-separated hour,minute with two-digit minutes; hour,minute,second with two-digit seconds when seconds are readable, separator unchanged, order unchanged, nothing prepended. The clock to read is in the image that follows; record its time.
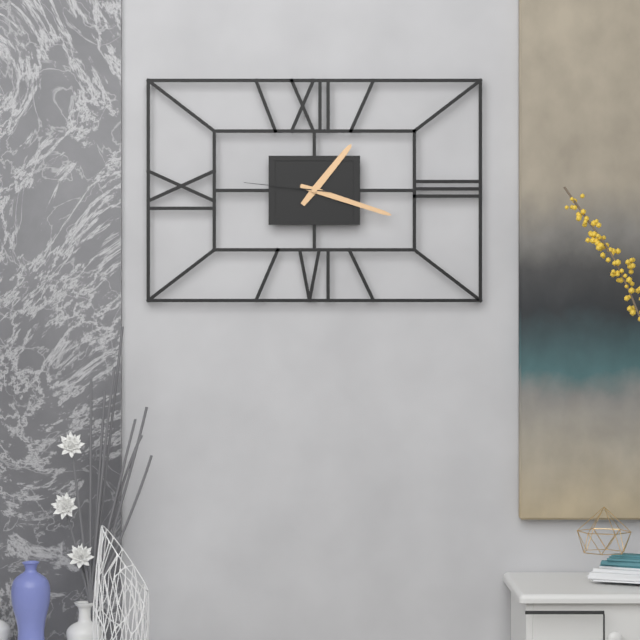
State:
1,18,46
